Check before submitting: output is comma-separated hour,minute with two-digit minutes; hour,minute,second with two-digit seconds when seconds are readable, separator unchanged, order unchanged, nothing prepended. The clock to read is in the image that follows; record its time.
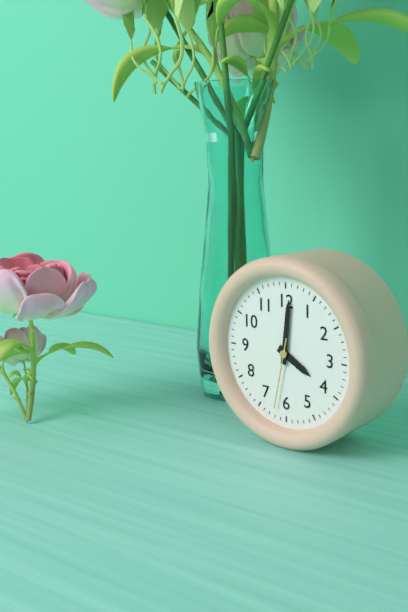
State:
4,01,32
